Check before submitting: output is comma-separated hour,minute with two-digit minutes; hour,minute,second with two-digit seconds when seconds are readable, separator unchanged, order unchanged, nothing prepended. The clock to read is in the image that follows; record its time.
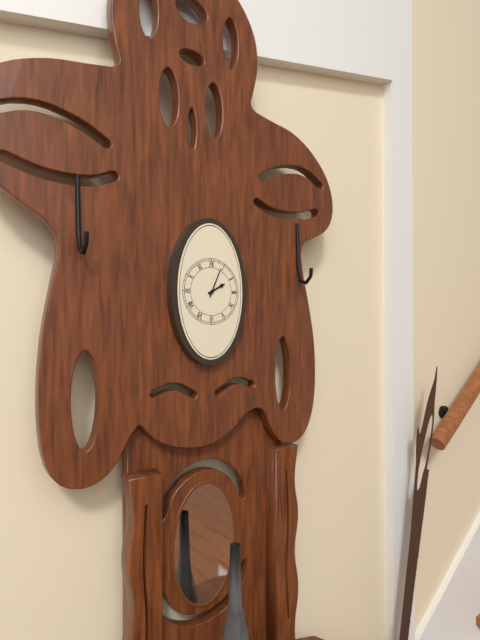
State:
2,04
